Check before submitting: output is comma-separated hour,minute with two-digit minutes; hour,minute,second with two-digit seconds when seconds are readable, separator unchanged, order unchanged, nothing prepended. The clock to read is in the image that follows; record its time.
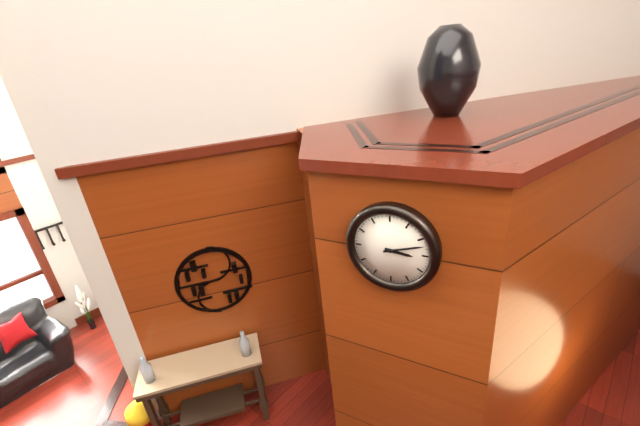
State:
3,12
